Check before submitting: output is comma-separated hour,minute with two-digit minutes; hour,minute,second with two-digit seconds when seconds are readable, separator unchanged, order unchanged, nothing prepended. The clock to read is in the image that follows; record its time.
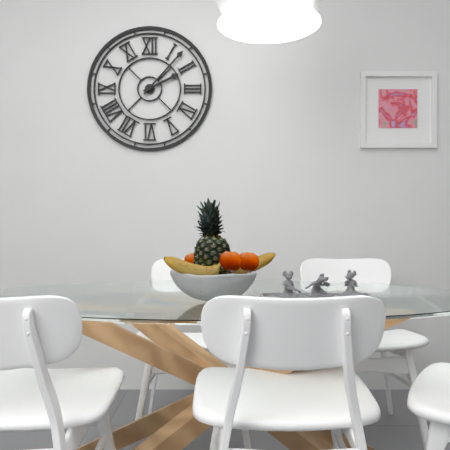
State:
2,07
